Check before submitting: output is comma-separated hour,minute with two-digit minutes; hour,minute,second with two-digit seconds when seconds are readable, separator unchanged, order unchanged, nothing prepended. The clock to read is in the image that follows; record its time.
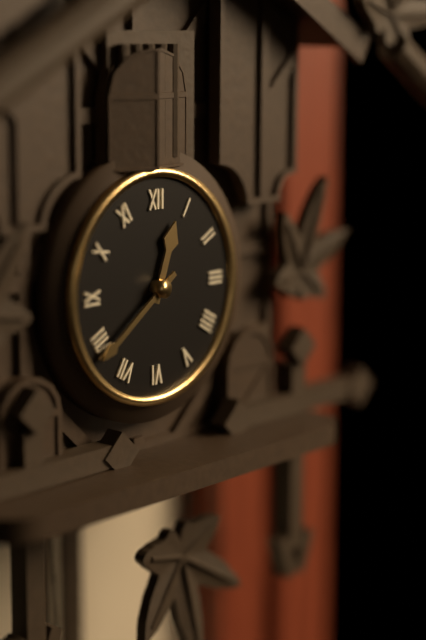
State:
12,39
